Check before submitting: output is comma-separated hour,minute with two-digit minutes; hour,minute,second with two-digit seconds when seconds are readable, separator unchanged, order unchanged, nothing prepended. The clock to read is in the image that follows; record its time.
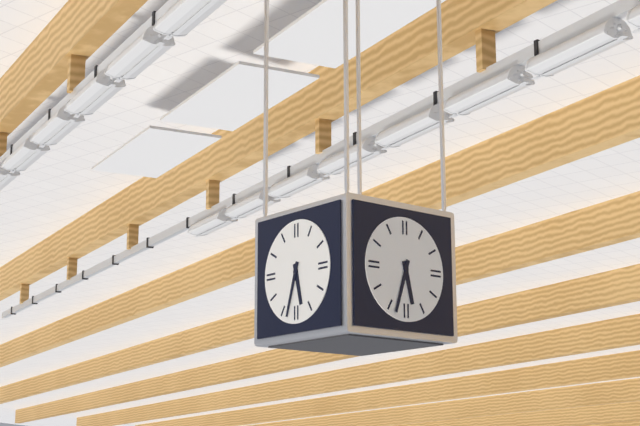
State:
5,33
